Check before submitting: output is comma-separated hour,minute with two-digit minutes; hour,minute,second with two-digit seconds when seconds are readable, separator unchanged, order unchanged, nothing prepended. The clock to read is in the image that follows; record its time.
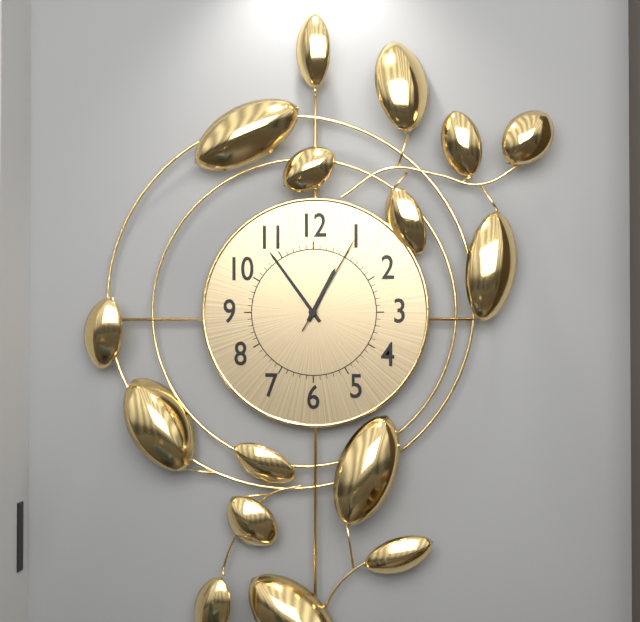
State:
12,54,05
